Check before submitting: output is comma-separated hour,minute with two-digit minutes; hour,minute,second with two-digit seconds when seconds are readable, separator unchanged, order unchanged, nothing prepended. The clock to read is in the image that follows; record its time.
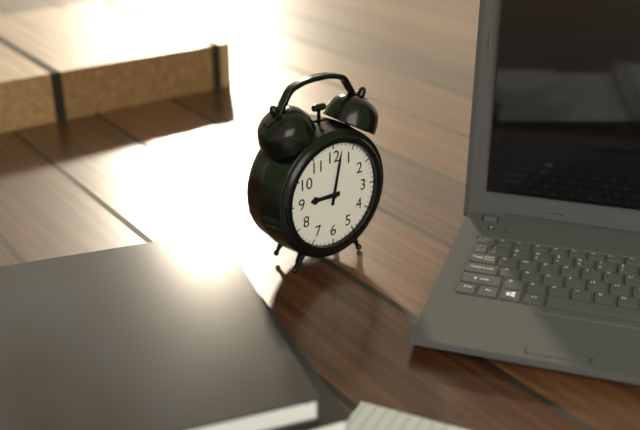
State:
9,02
